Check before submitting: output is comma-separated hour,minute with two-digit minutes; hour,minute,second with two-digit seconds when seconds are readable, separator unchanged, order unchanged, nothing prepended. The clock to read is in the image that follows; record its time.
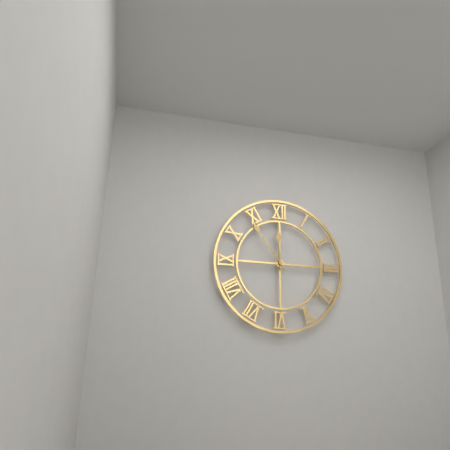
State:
11,54
